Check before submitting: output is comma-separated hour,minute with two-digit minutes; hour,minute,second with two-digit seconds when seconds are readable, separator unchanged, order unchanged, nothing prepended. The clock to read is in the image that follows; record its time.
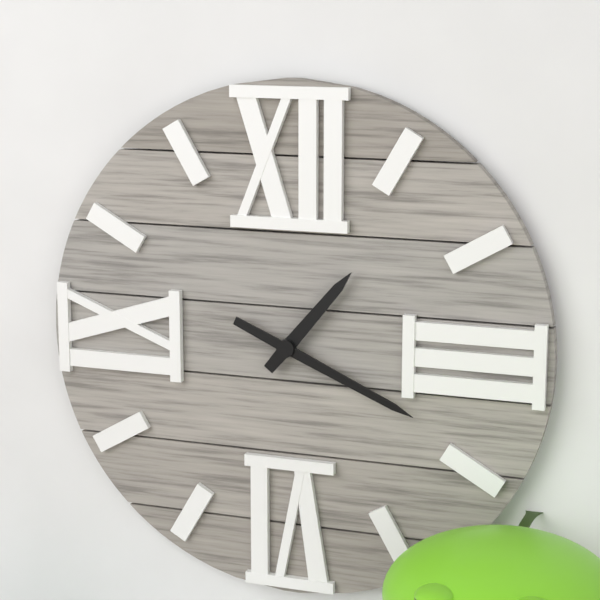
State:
1,19
